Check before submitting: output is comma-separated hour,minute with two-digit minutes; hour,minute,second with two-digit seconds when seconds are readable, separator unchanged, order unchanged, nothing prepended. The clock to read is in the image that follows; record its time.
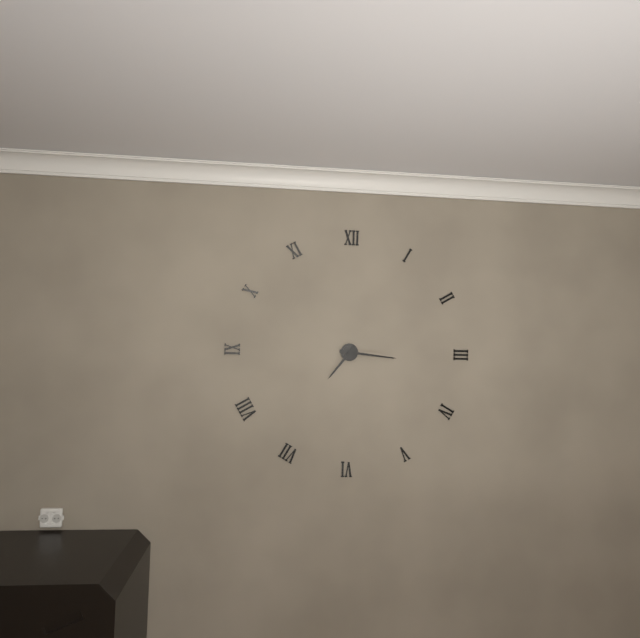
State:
7,16
